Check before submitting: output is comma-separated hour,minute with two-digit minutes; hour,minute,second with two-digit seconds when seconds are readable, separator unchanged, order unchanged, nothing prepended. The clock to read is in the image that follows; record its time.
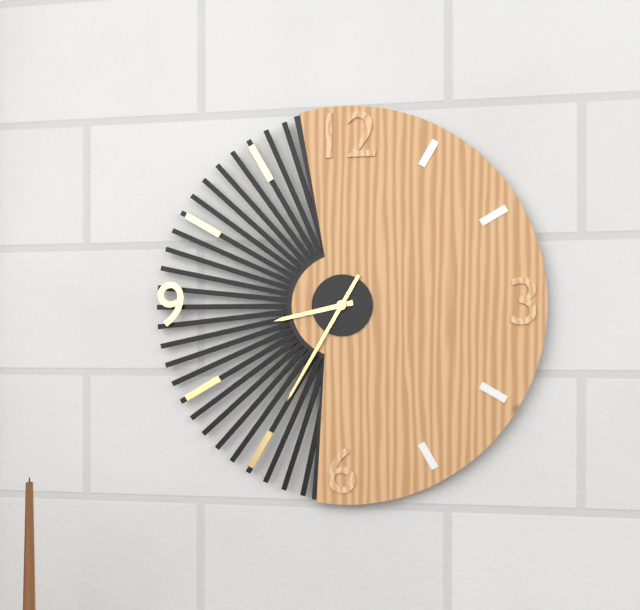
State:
8,35
